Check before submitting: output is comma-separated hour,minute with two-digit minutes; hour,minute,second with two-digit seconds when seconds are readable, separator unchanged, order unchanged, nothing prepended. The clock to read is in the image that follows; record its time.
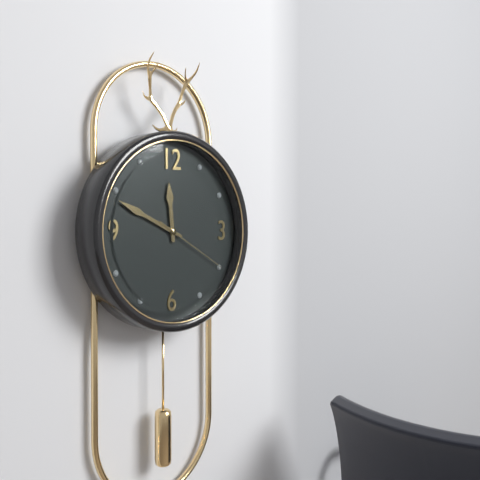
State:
11,49,20
